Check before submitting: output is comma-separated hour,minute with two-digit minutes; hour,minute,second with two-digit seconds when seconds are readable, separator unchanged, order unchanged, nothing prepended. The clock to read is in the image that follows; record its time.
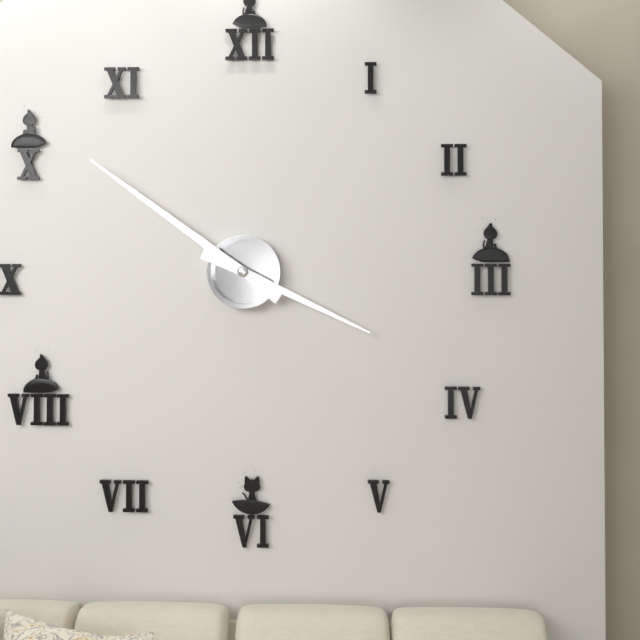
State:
3,51
